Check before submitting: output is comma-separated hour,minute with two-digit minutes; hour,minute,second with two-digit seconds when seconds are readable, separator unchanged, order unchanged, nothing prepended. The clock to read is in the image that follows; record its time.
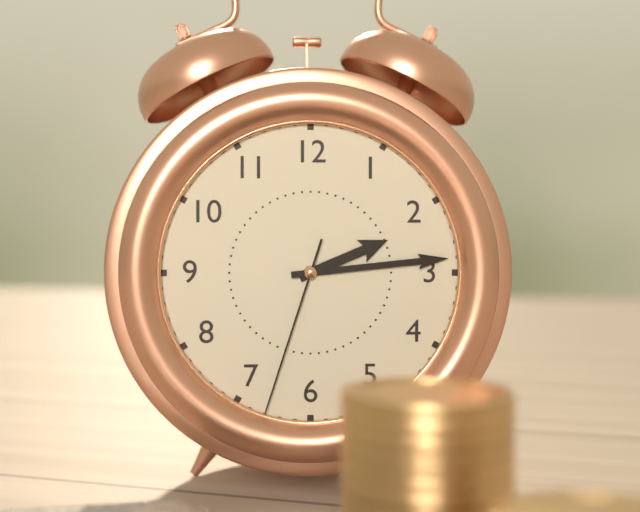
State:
2,14,33
